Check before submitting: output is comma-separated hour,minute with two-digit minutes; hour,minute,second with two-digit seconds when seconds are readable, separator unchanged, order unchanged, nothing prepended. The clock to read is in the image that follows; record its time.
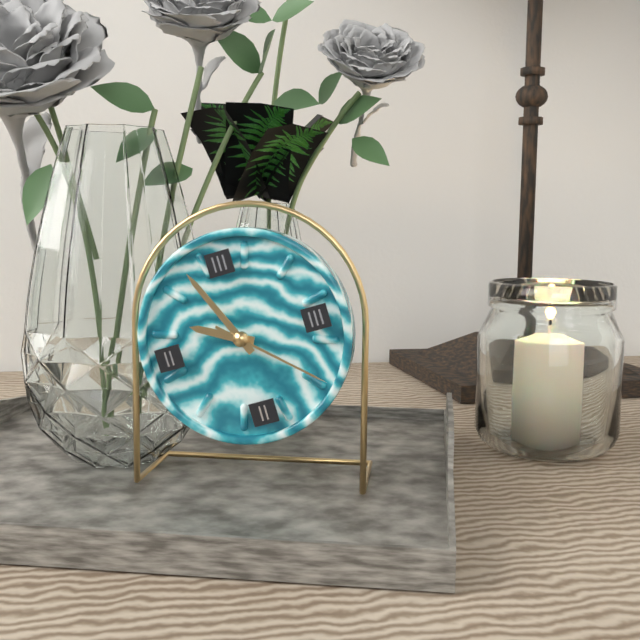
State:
9,56,22
